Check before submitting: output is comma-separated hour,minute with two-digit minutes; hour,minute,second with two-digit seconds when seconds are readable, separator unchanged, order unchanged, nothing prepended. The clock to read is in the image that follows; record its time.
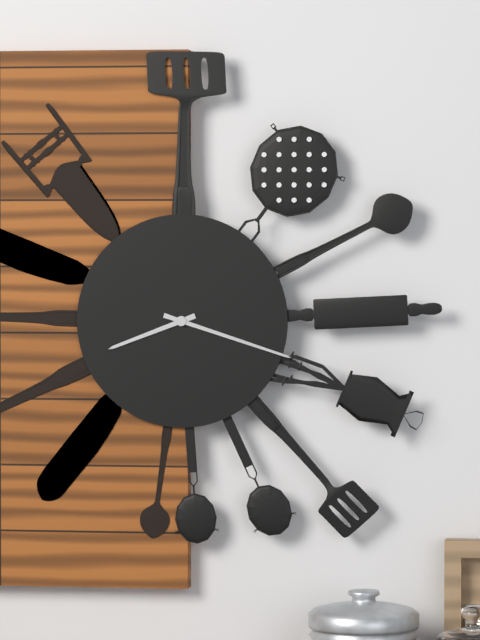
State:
8,18
